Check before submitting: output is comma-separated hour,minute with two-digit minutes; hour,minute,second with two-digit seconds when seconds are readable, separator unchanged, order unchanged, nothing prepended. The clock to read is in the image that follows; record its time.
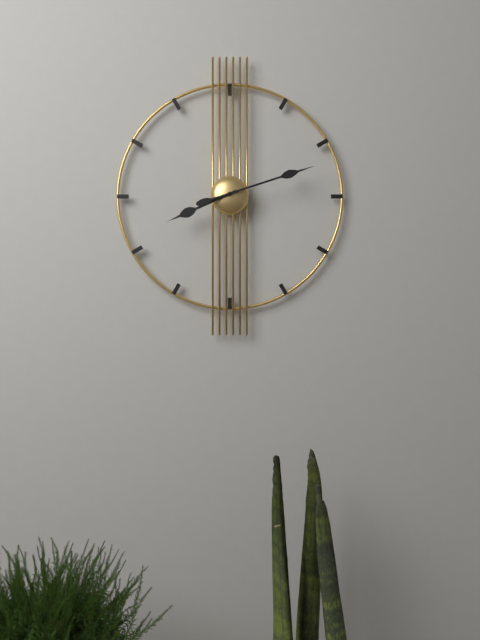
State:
8,12
